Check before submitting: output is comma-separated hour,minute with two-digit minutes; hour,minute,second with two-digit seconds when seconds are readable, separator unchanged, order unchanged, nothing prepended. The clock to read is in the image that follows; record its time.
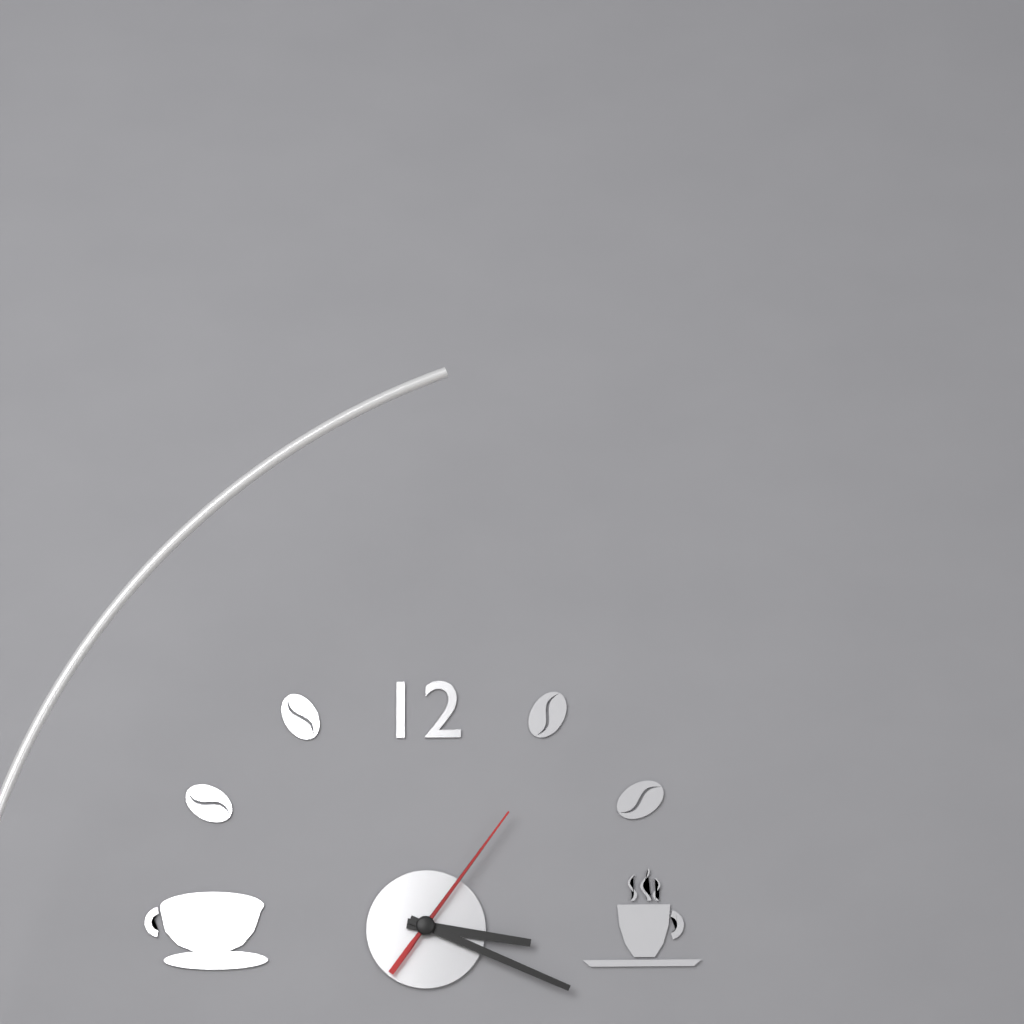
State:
3,19,06
